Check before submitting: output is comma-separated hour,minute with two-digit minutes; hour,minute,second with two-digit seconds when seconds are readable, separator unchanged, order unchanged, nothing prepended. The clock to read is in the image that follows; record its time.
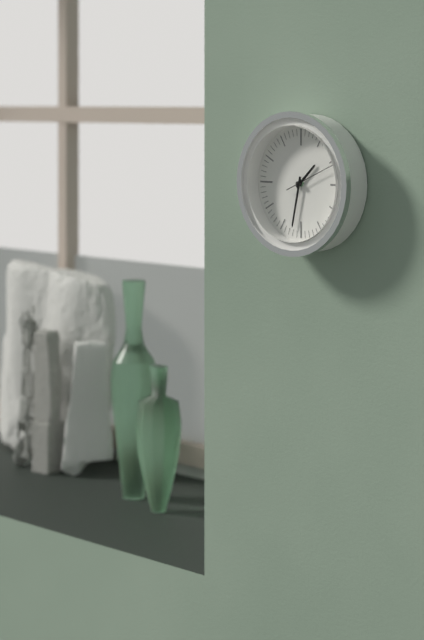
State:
1,32,11
